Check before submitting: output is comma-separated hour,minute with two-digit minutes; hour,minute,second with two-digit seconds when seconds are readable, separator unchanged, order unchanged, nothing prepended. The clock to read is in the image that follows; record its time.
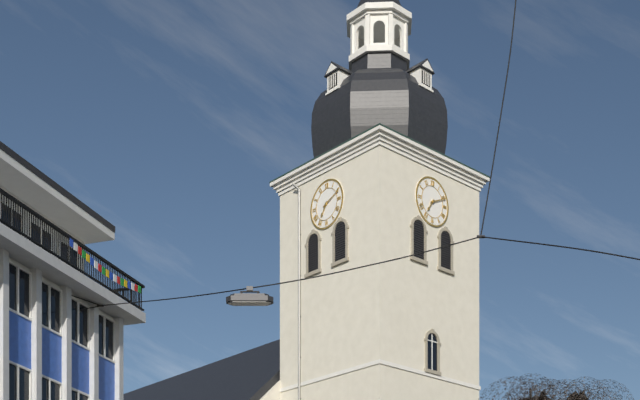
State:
7,11
